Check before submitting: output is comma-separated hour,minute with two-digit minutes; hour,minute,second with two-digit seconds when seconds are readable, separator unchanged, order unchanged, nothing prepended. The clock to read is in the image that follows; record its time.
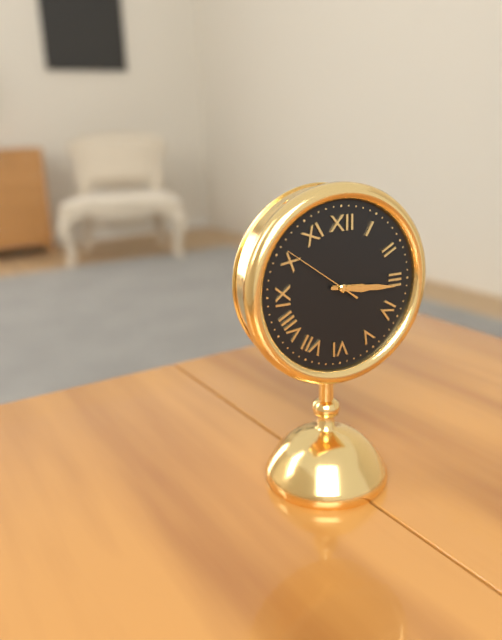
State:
3,16,51
